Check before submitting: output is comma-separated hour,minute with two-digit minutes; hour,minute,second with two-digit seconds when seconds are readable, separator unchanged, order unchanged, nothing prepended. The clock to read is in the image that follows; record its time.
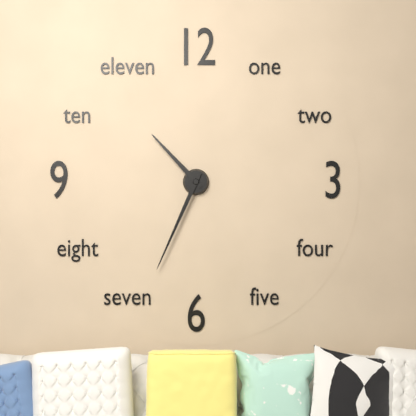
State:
10,34
